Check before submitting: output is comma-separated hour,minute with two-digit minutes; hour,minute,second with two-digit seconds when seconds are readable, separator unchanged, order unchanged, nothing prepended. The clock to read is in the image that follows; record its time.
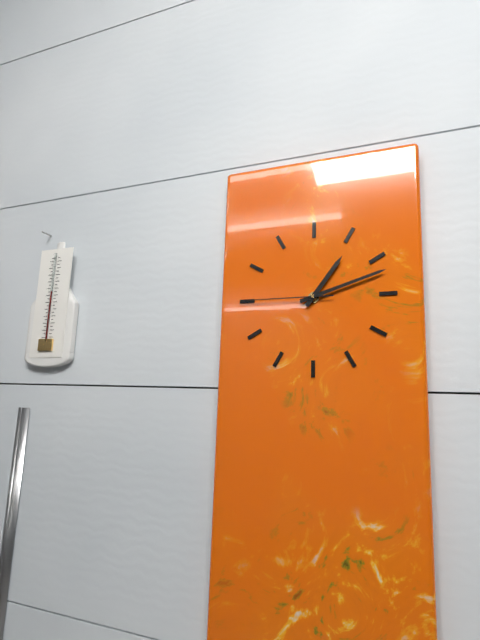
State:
1,12,45
